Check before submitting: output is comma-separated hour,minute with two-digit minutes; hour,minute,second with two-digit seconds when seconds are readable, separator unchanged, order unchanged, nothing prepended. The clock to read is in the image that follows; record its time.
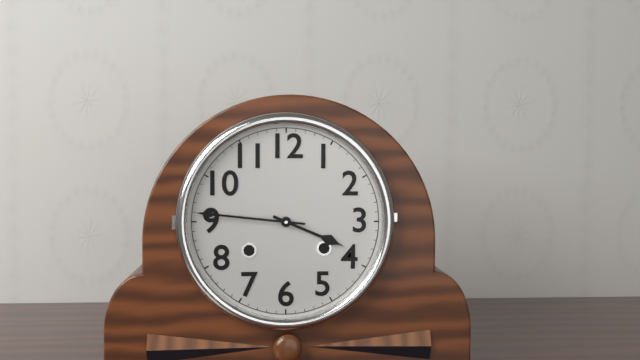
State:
3,46
